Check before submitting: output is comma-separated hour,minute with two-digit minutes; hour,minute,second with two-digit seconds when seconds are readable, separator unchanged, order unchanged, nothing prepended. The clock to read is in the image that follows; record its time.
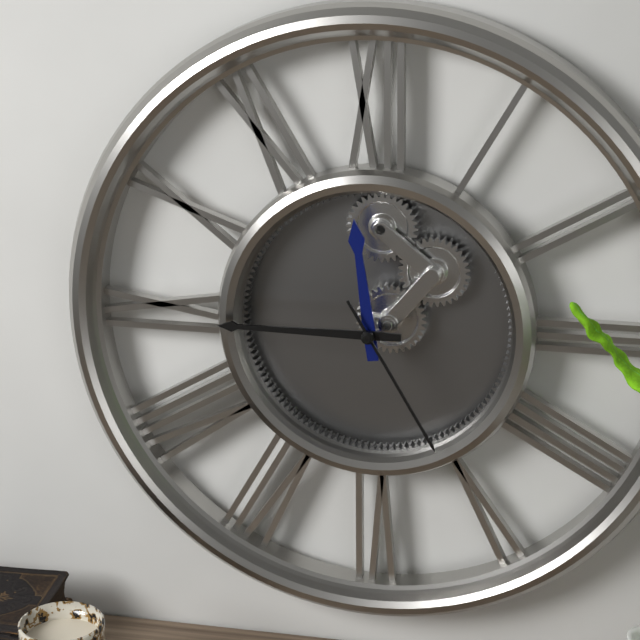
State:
11,45,25
